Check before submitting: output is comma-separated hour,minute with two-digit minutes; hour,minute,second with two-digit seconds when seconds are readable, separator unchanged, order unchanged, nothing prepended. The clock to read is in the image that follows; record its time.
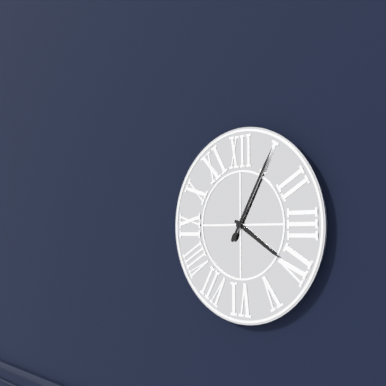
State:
4,05
